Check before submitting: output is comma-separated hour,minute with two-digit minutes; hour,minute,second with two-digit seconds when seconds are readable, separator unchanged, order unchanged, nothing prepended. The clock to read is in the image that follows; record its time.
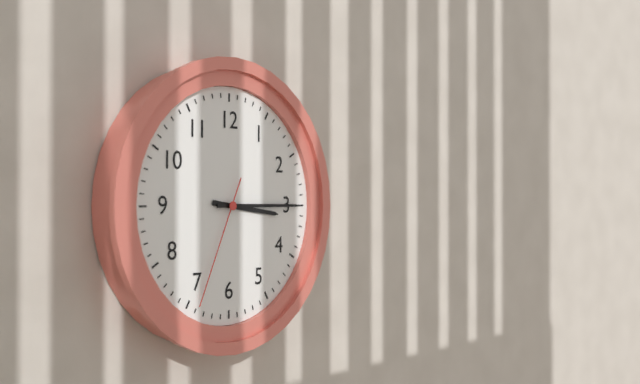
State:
3,15,34
